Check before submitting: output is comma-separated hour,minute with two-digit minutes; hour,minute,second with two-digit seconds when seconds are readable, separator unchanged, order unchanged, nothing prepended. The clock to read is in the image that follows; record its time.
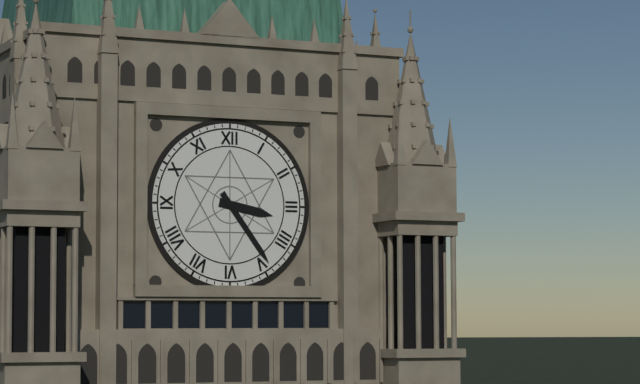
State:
3,24
